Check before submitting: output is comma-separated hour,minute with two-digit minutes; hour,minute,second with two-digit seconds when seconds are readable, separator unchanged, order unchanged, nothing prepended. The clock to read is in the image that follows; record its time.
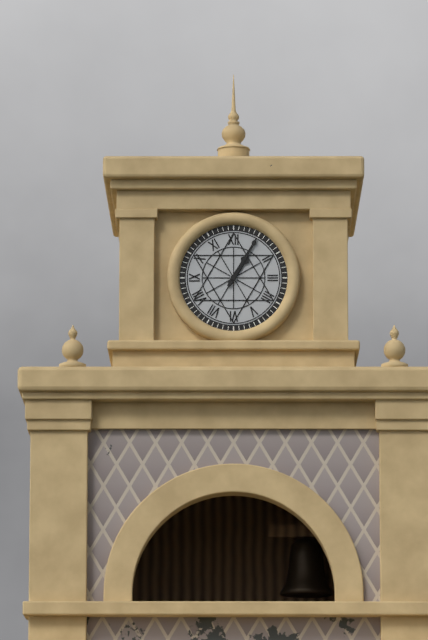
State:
1,05
